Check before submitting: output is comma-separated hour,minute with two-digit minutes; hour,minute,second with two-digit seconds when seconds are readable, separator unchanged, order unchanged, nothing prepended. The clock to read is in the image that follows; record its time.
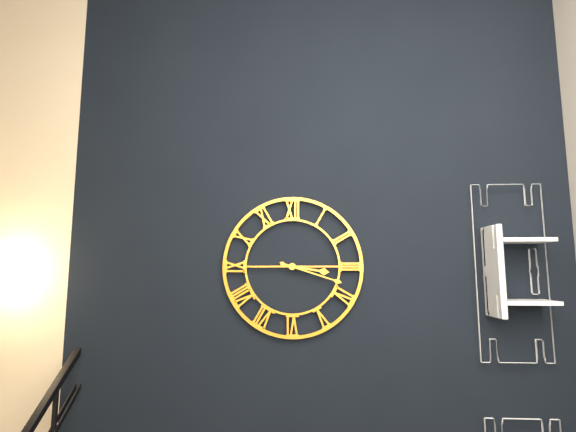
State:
3,18
